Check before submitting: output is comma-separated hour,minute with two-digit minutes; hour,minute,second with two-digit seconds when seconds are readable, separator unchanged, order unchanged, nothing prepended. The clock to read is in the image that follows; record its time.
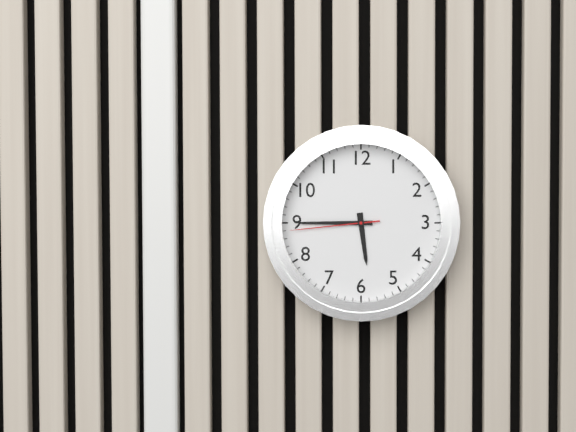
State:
5,45,44
